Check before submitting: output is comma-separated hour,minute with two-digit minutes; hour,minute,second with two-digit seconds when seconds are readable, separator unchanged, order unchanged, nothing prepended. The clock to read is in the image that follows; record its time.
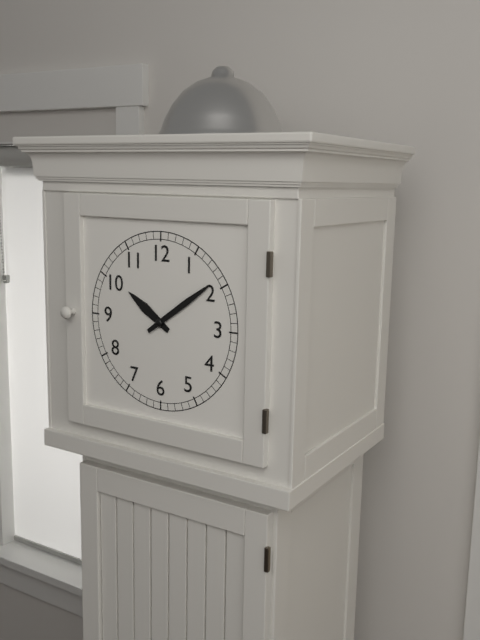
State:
10,09
